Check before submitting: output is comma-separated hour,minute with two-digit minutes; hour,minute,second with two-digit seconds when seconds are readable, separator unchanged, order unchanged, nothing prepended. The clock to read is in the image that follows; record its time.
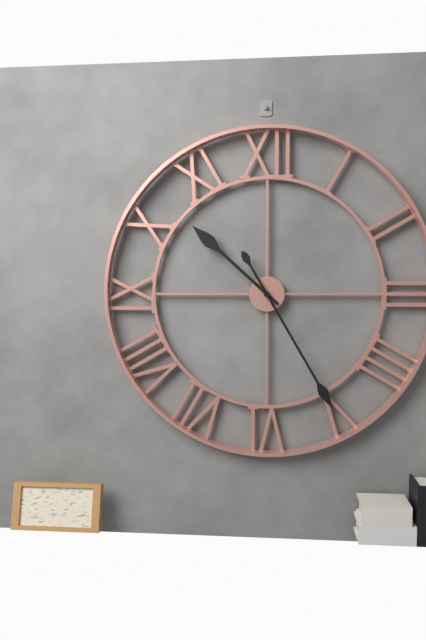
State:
10,25
